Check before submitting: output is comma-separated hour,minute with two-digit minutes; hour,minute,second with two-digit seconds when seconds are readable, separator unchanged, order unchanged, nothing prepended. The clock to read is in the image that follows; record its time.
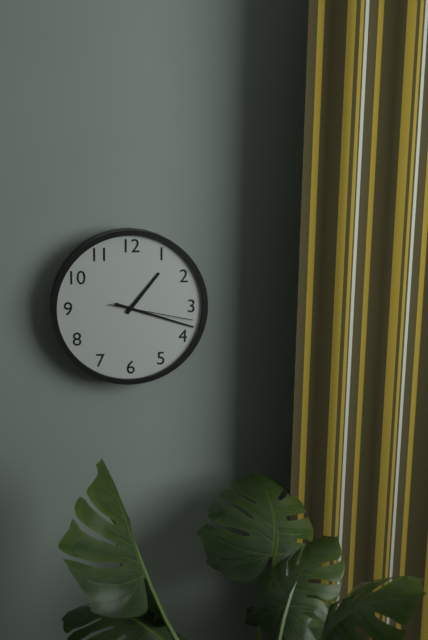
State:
1,18,17
